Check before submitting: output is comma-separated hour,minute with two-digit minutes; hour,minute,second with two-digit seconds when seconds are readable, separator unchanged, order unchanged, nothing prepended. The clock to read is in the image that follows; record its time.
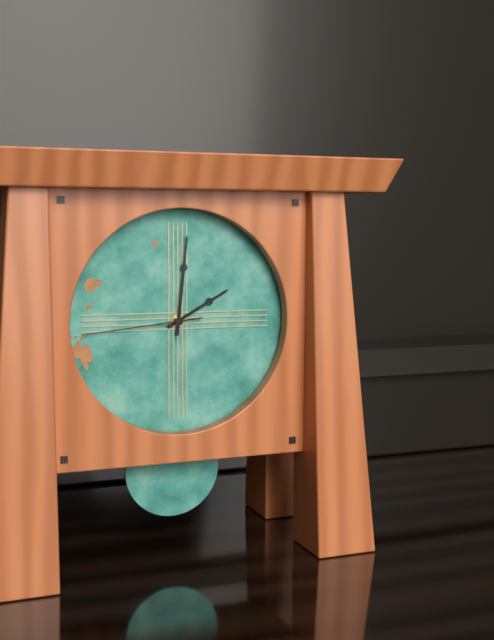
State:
2,01,44
